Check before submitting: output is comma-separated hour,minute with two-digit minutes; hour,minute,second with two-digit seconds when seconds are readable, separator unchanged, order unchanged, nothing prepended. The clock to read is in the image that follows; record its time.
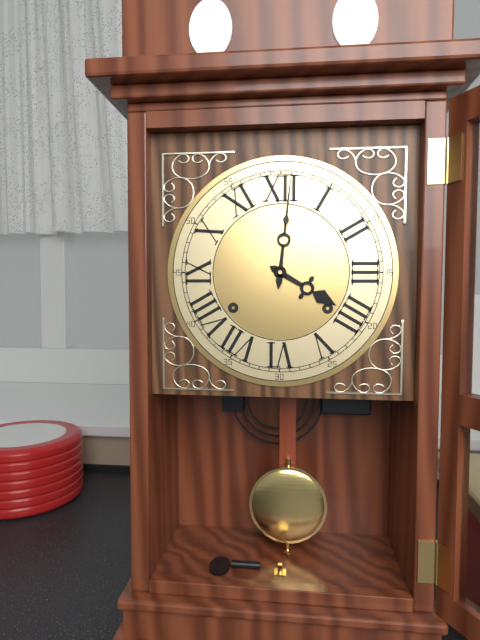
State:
4,01
